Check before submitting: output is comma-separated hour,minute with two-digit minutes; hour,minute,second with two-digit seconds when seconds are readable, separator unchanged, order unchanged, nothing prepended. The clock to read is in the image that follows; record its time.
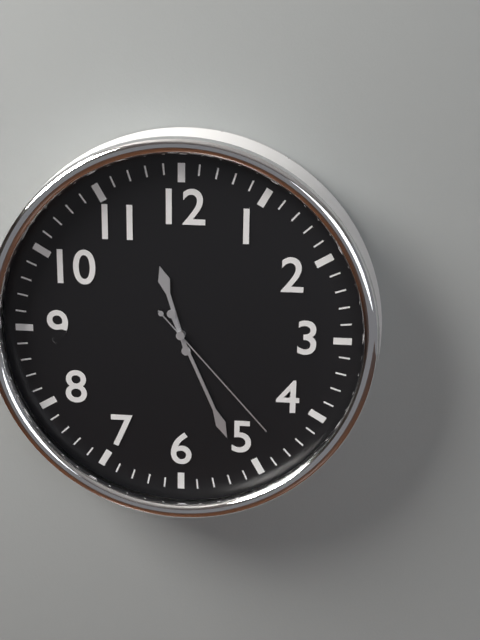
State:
11,26,23
